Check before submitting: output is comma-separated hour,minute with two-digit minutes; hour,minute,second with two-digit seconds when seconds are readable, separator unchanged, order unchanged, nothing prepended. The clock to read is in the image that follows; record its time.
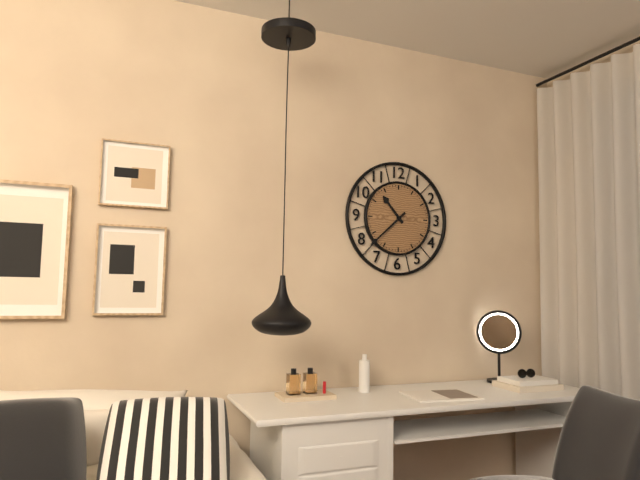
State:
10,38
